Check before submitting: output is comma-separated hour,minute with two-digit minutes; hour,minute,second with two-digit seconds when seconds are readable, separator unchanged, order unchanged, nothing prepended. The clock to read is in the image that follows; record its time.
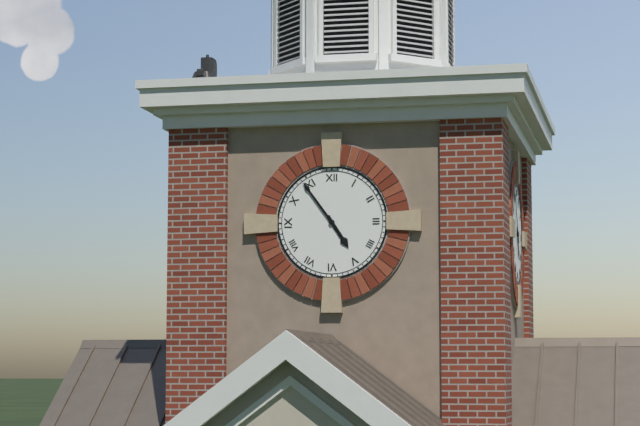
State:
4,54
